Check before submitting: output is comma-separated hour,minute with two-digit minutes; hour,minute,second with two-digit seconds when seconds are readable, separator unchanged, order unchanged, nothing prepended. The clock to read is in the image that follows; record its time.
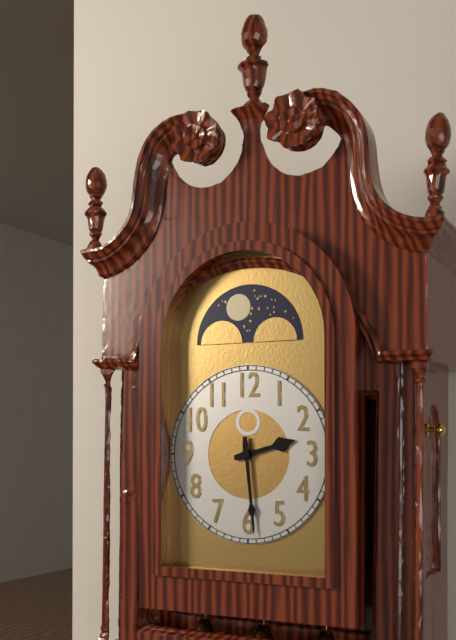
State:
2,29
